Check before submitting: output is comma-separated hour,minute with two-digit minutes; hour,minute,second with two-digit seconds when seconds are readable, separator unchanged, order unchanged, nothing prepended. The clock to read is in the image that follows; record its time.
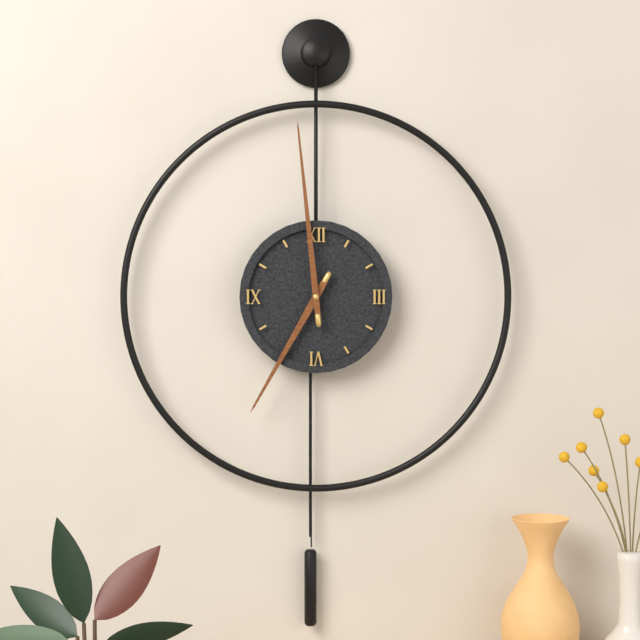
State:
6,59
